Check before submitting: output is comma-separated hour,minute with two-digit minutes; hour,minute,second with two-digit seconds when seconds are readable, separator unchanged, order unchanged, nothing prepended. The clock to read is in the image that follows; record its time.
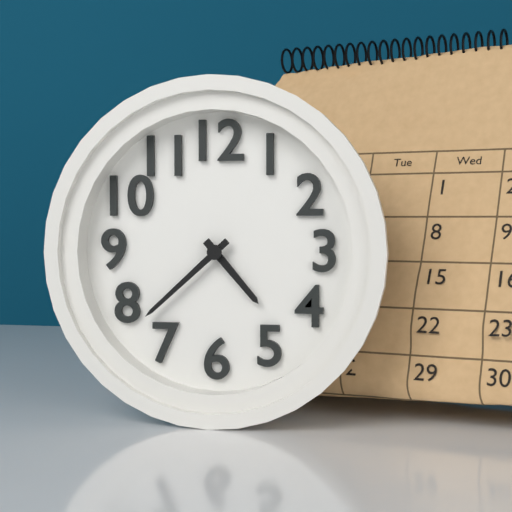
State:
4,38
